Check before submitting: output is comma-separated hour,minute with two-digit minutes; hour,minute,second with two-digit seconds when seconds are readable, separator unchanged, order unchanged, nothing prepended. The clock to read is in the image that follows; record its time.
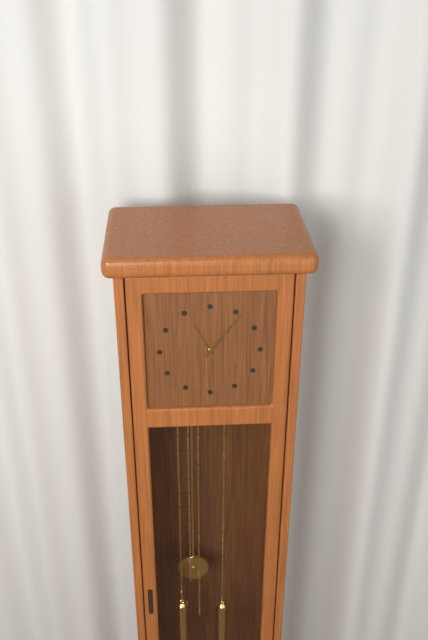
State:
11,06
